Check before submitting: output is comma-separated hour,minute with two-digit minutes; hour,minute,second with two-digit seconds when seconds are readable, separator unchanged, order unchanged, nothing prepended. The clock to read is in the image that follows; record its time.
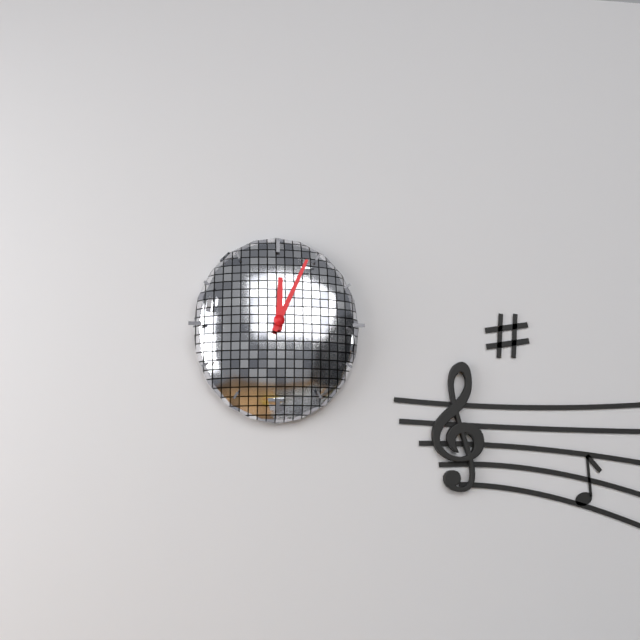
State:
12,04
